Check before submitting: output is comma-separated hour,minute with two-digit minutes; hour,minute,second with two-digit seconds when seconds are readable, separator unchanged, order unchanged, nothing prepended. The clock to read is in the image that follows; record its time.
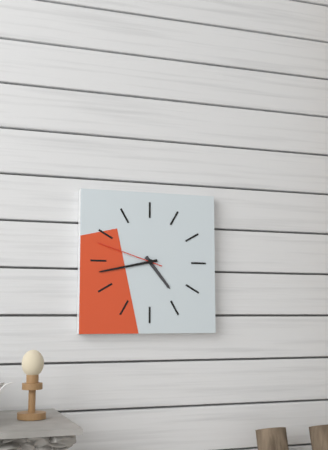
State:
4,43,48
